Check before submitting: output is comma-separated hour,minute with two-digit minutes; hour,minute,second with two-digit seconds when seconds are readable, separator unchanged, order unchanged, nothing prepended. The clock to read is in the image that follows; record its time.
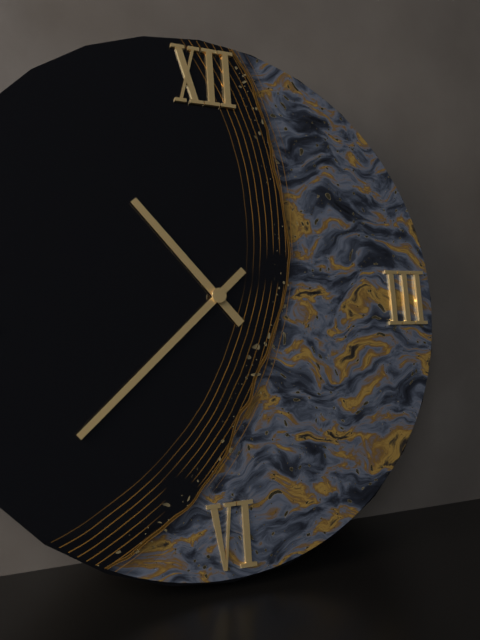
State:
10,38
